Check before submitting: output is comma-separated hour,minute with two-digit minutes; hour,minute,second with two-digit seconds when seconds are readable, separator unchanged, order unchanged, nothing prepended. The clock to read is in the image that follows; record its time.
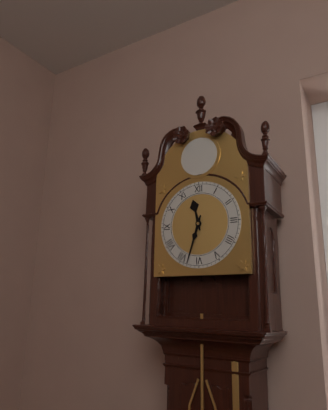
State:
11,33
